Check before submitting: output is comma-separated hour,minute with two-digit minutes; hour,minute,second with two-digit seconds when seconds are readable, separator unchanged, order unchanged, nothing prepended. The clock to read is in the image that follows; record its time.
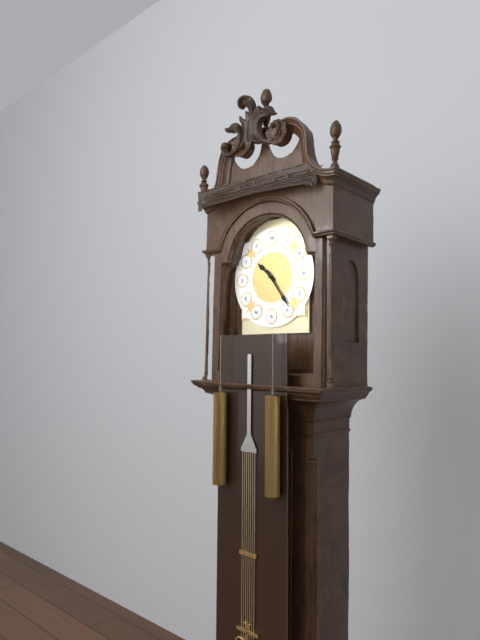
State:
10,24
